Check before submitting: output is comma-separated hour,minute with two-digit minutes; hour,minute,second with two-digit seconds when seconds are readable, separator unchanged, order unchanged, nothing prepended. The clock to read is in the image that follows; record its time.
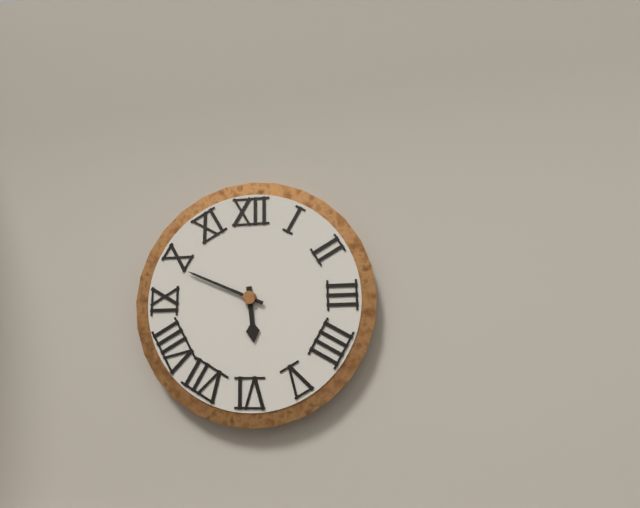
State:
5,49
